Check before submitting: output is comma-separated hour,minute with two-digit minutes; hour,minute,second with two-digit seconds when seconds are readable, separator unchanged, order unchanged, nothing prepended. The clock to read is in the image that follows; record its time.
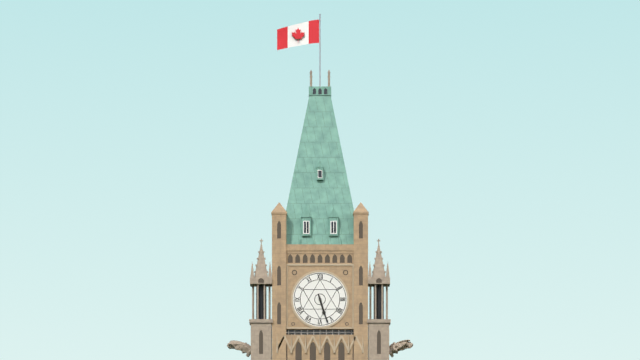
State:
5,27
